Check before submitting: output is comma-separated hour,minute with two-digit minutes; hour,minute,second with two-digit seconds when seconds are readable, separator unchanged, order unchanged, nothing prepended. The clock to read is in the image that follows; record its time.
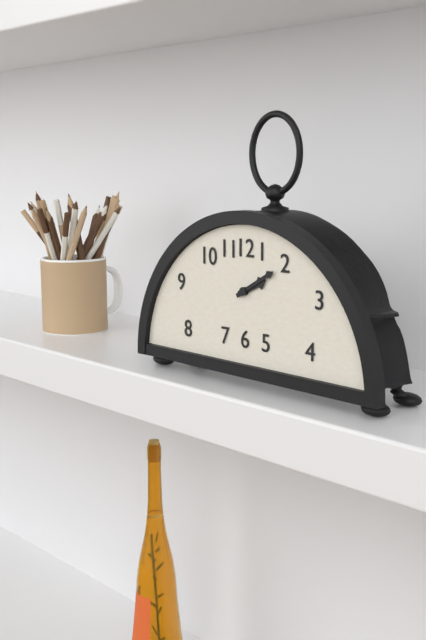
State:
2,10
